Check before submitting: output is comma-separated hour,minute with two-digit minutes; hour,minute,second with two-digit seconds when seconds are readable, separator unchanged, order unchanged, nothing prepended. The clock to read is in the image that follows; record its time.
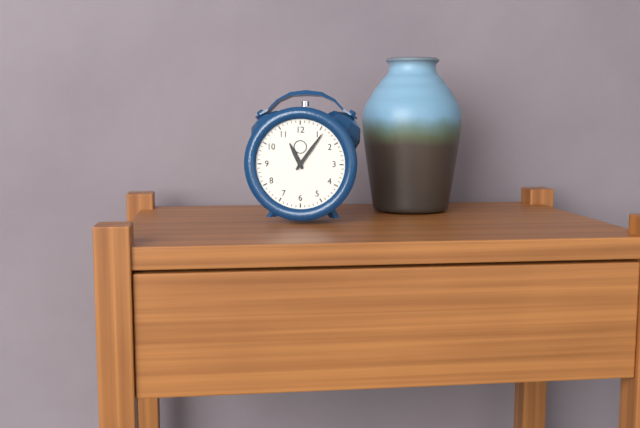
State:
11,06
